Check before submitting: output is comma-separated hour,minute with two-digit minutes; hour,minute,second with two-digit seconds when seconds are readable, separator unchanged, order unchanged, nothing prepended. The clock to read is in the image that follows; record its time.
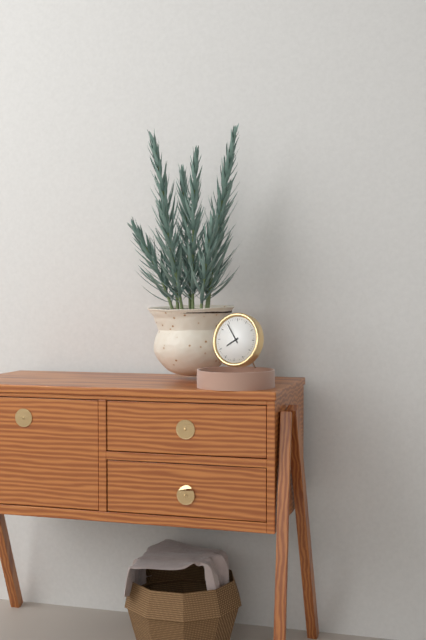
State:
7,54
